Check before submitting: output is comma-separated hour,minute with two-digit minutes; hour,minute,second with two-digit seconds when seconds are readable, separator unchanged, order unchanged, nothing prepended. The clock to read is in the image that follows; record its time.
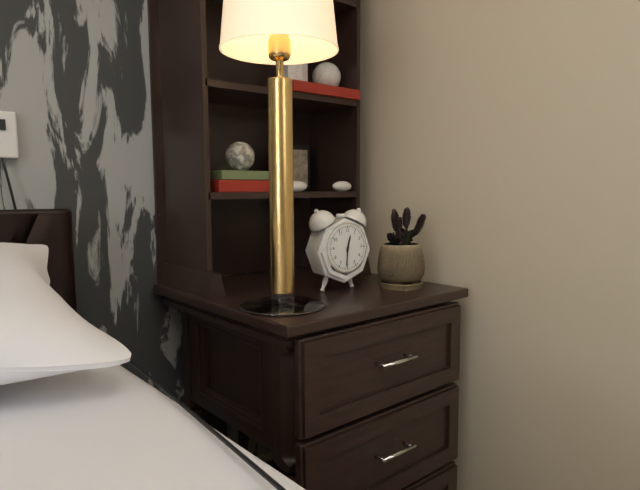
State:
12,31
